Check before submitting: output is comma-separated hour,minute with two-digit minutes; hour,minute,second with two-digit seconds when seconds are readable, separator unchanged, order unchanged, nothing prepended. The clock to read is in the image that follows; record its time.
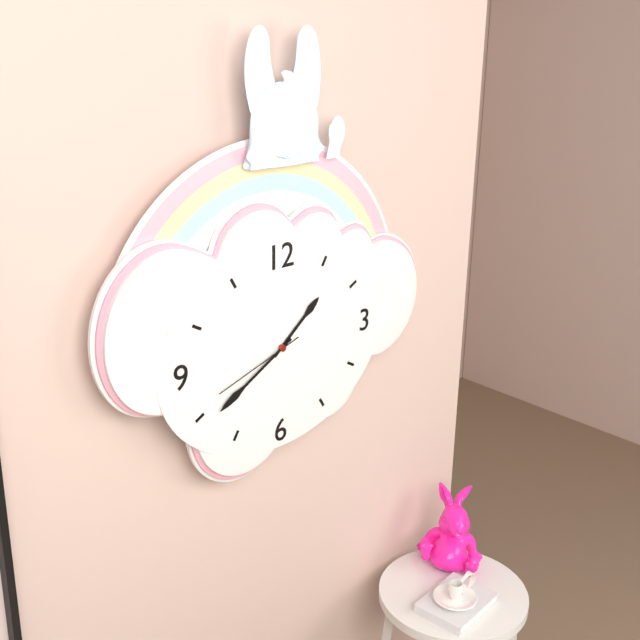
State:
1,40,42
